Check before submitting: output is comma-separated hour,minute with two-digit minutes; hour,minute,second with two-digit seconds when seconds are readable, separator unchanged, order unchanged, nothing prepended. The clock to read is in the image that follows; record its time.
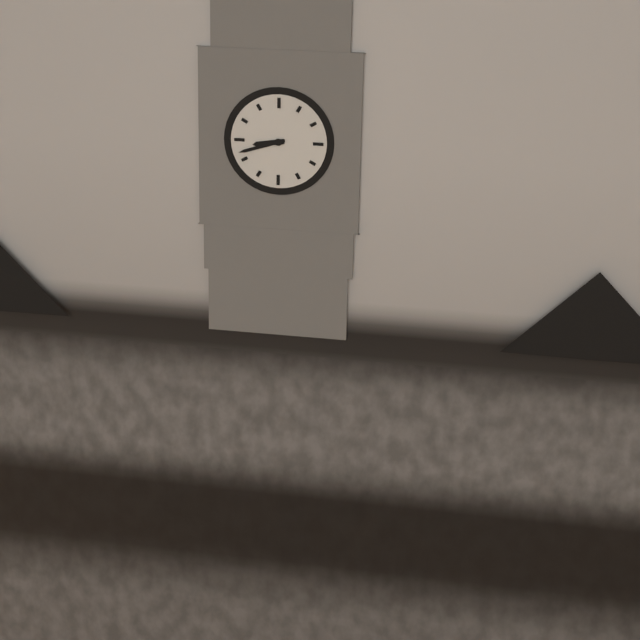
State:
8,42
